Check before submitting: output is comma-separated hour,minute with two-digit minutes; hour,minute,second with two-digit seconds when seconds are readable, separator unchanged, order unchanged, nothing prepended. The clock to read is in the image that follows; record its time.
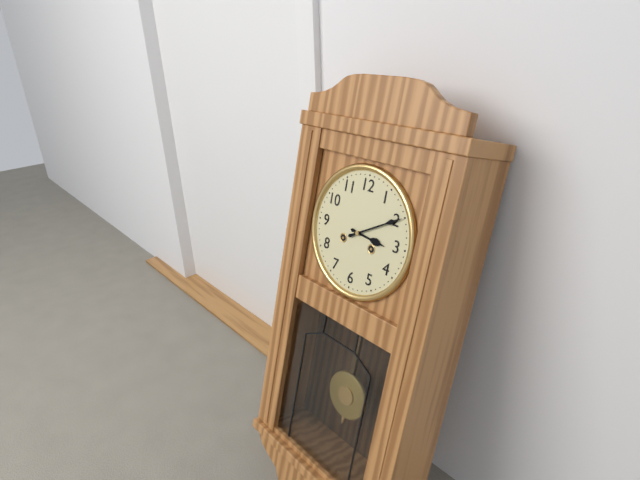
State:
3,10
